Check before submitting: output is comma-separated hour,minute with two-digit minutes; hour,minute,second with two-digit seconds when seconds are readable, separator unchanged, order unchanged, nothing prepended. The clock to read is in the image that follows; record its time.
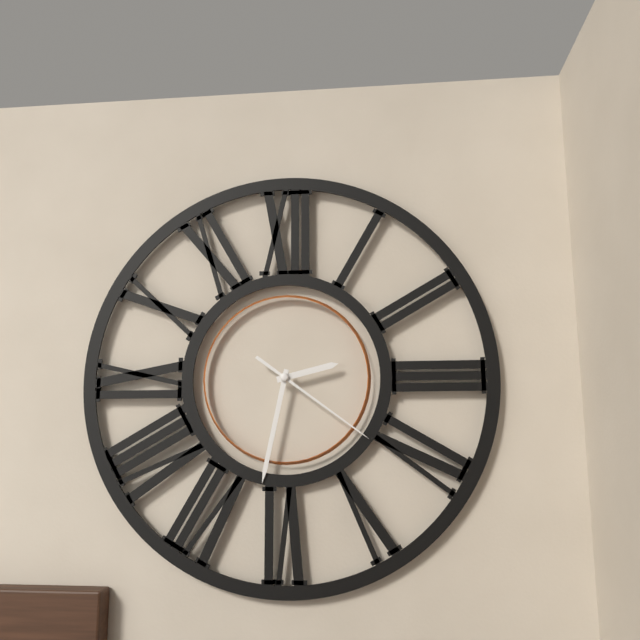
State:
2,32,21
